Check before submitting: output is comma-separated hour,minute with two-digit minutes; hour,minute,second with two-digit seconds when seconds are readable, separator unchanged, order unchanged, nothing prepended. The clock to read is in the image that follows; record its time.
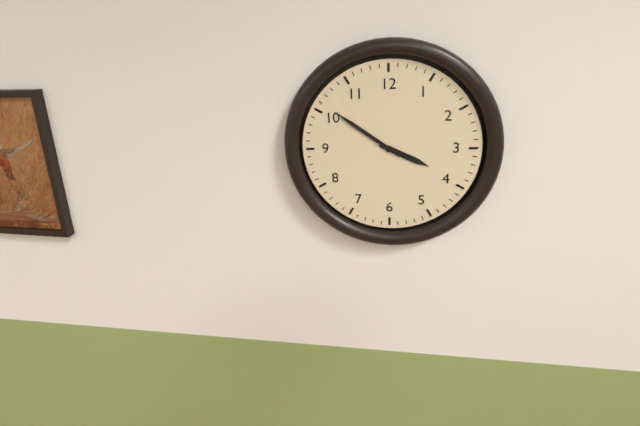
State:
3,51
